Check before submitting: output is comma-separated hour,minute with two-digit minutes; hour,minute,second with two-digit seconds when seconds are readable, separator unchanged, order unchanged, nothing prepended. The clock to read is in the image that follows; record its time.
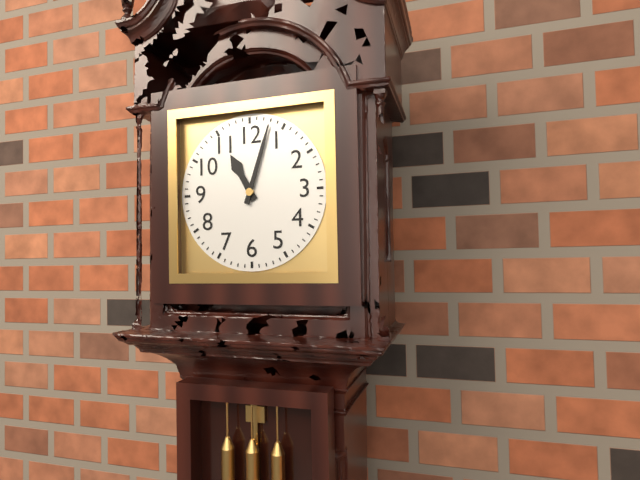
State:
11,03
